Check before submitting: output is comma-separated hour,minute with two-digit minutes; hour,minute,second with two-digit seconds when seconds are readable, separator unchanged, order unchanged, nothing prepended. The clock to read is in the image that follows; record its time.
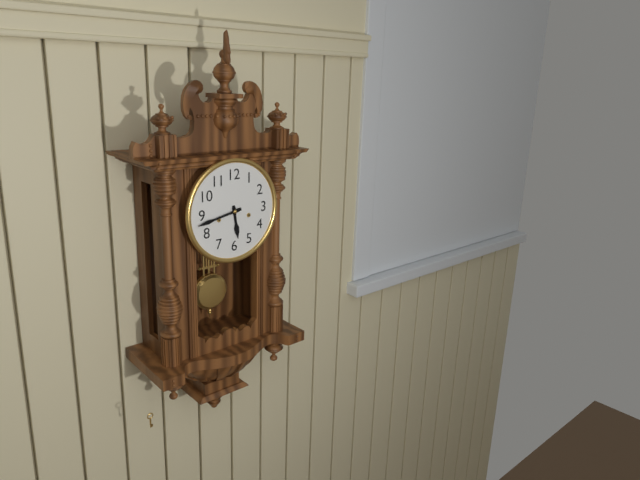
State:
5,43
